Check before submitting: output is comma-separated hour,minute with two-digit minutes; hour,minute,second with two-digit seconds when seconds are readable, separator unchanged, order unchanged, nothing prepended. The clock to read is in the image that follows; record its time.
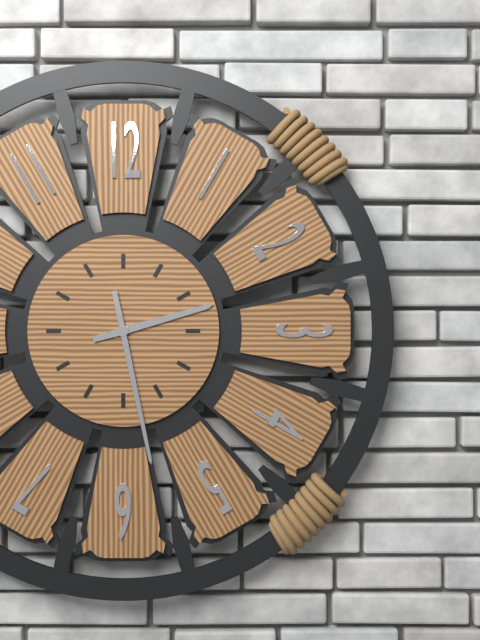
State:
2,28
